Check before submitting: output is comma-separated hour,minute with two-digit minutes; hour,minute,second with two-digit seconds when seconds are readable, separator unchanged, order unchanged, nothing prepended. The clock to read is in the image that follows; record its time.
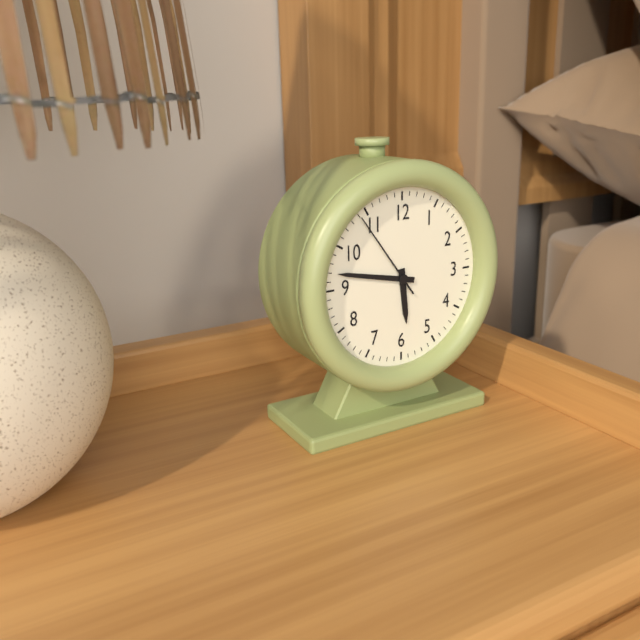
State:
5,47,54
